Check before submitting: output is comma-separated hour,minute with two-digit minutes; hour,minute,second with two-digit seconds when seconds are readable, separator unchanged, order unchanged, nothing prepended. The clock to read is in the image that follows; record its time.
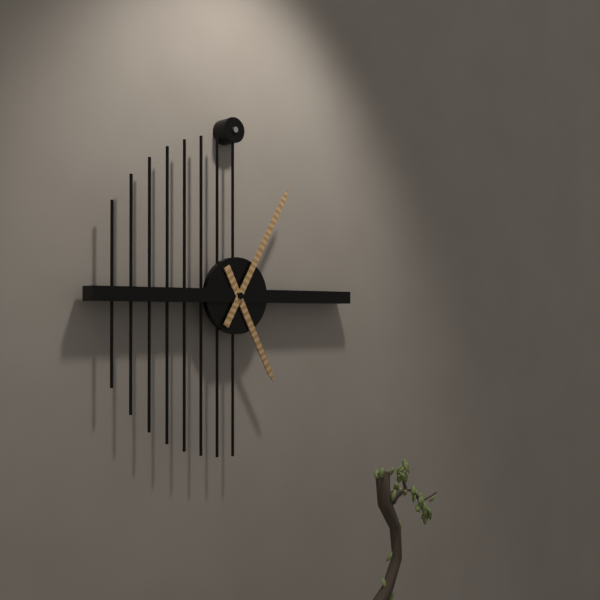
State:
5,05
